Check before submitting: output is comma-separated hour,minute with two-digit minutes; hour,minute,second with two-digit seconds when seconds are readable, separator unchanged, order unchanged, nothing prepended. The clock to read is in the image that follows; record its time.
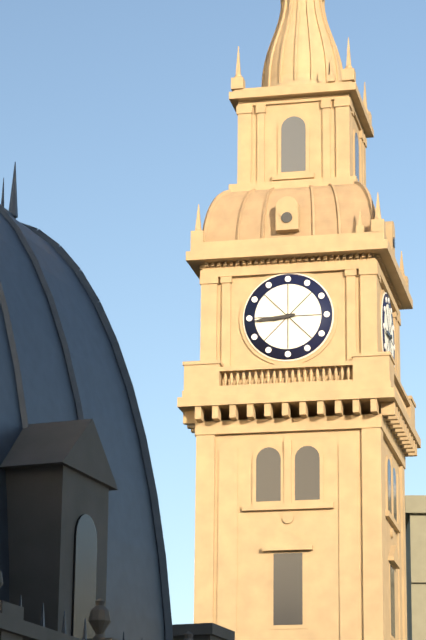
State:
8,44
